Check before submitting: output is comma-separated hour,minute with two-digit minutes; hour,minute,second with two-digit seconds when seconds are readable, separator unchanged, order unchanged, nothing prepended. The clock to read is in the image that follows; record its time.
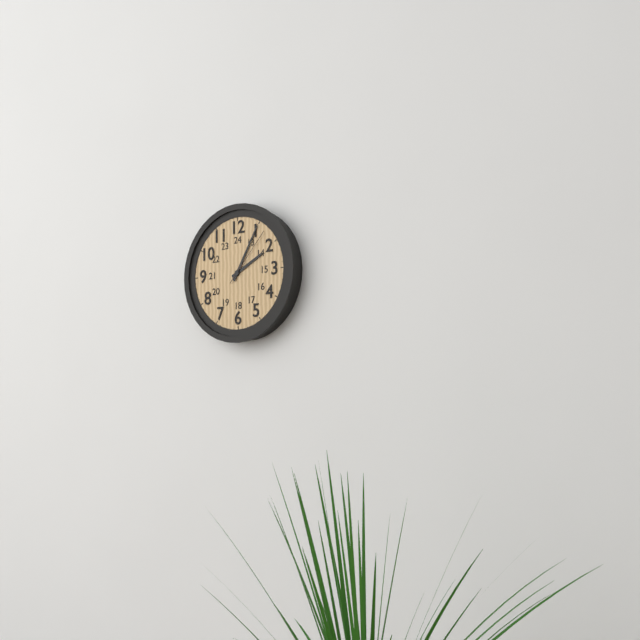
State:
2,05,07
